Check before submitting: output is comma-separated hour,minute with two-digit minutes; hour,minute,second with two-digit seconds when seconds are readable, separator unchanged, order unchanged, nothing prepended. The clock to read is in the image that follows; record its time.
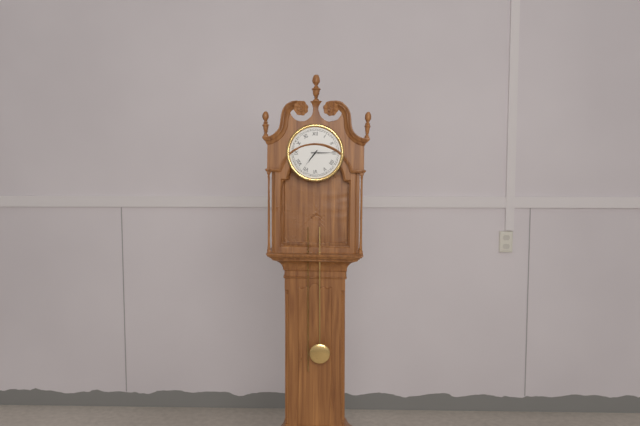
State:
7,15
